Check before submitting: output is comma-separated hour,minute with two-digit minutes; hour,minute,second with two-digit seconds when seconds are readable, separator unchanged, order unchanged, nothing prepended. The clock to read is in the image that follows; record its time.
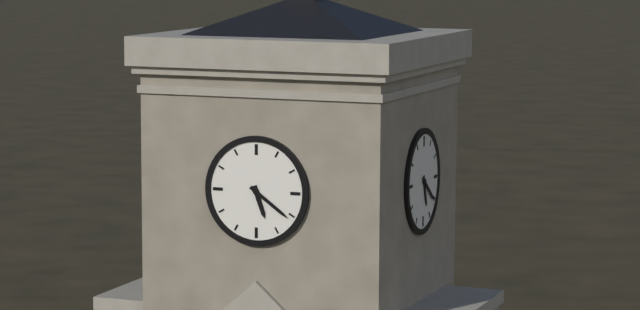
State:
5,21
